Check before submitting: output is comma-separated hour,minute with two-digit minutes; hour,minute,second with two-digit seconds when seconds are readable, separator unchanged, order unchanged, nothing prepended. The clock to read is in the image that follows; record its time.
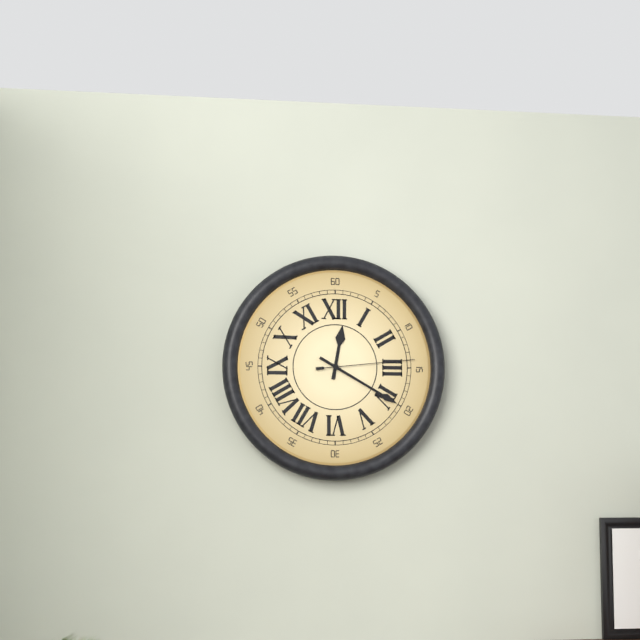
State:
12,20,14
